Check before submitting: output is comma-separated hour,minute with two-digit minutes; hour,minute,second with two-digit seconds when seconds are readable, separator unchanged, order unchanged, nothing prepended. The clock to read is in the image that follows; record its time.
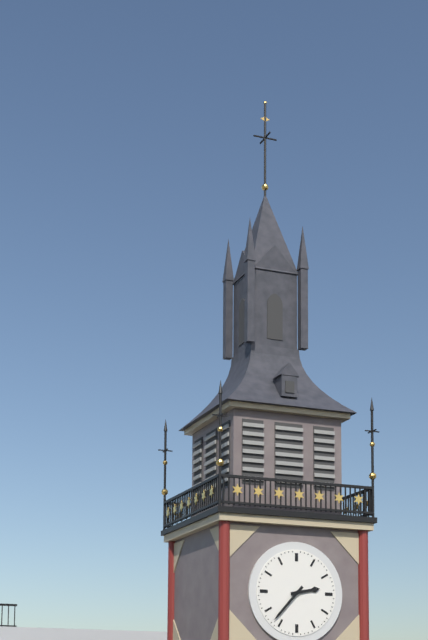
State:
2,37
